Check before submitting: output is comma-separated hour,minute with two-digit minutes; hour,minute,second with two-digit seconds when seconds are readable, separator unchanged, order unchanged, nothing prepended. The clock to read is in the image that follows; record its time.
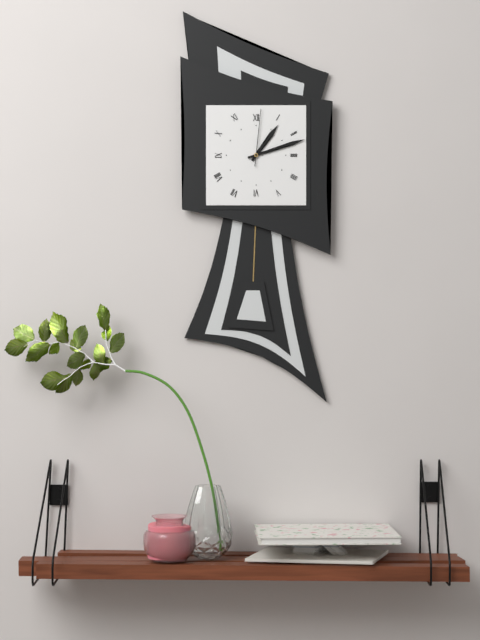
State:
1,12,01
